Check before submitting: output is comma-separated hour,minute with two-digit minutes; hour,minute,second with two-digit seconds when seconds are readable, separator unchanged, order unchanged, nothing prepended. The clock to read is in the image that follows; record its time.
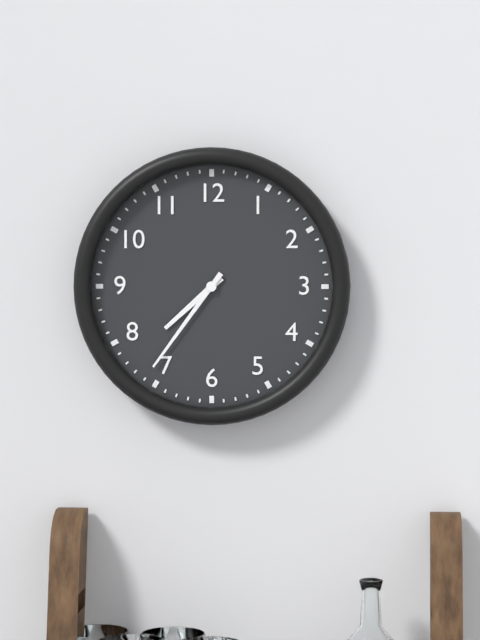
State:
7,36
